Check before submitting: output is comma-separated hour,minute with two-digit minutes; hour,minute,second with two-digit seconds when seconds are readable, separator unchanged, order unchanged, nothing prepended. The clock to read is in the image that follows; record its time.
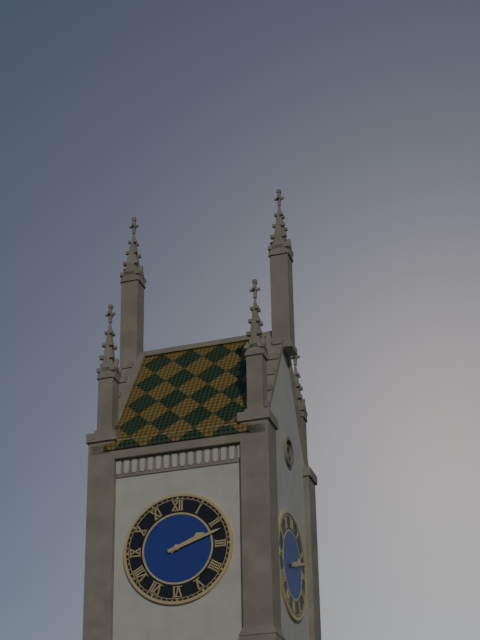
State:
2,12
